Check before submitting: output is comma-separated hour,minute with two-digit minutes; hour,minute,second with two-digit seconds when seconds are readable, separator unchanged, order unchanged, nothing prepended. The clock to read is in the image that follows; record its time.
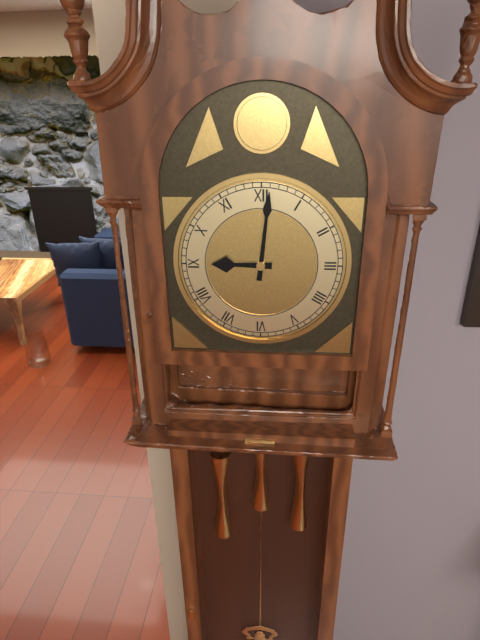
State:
9,01
